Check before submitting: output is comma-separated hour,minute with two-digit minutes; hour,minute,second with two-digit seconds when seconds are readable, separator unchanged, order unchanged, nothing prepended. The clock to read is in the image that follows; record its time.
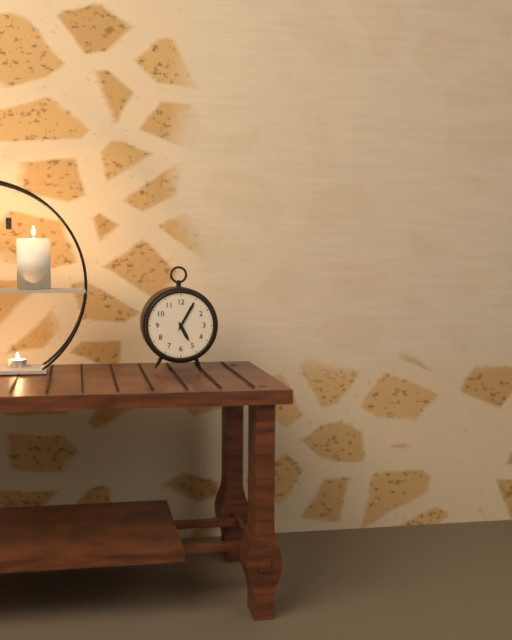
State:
5,05
